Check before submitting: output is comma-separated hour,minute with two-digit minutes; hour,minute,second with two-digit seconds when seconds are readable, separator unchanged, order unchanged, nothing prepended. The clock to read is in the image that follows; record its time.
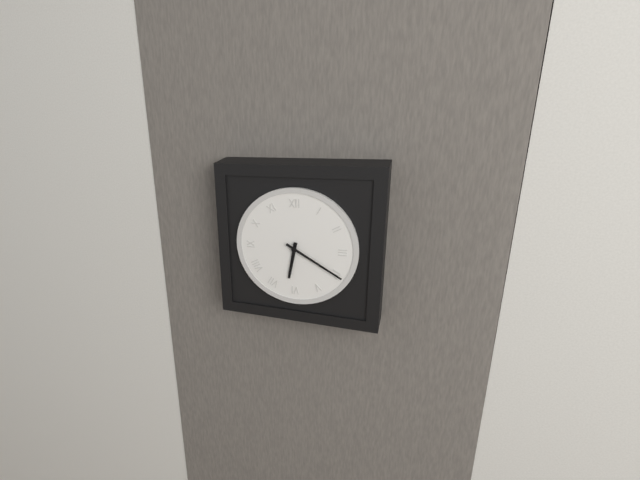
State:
6,20
